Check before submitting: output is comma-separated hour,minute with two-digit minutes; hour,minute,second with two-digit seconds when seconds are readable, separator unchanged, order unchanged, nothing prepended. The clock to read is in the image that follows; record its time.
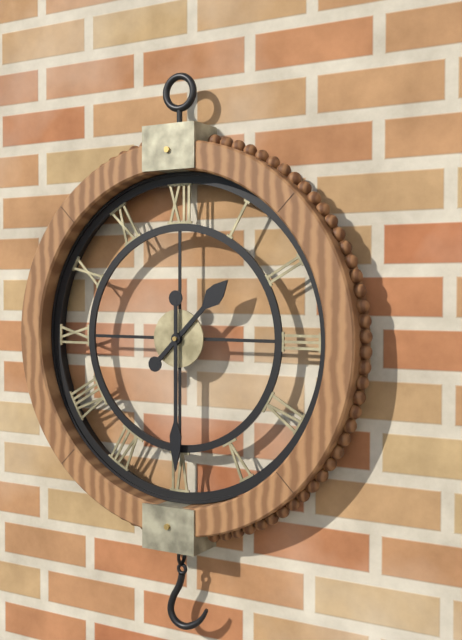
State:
1,30
